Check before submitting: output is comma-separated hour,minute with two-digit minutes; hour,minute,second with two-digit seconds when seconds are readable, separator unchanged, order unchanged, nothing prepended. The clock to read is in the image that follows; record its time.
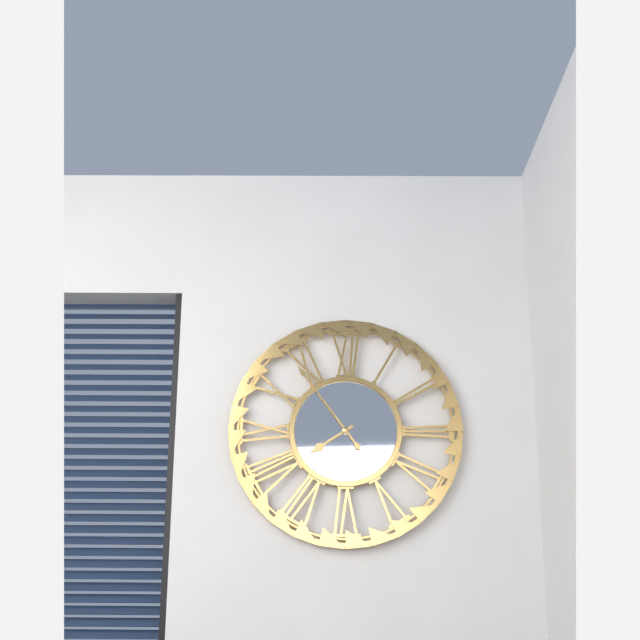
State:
7,54
